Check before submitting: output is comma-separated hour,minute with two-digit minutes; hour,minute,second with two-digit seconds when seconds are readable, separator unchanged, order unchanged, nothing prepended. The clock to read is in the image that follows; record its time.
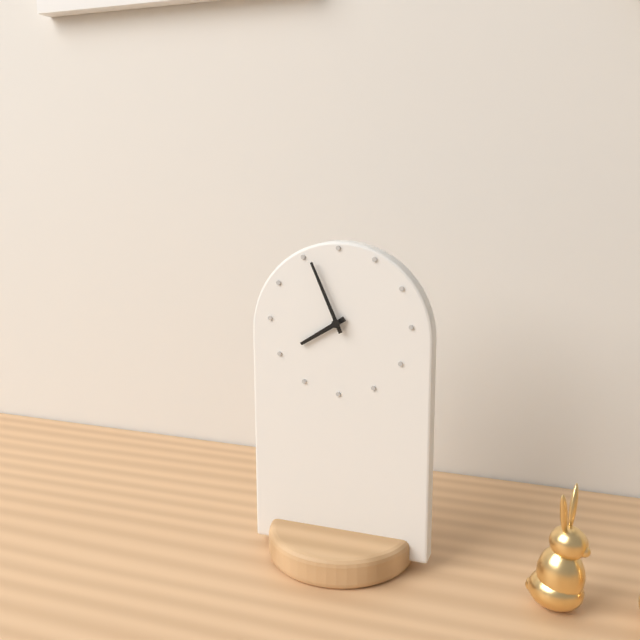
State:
7,56
